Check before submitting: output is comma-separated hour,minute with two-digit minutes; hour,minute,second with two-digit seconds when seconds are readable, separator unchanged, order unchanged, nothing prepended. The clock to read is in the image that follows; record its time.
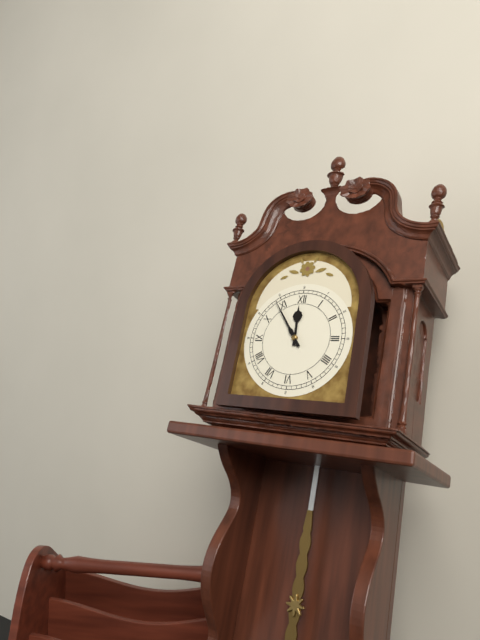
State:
11,54
